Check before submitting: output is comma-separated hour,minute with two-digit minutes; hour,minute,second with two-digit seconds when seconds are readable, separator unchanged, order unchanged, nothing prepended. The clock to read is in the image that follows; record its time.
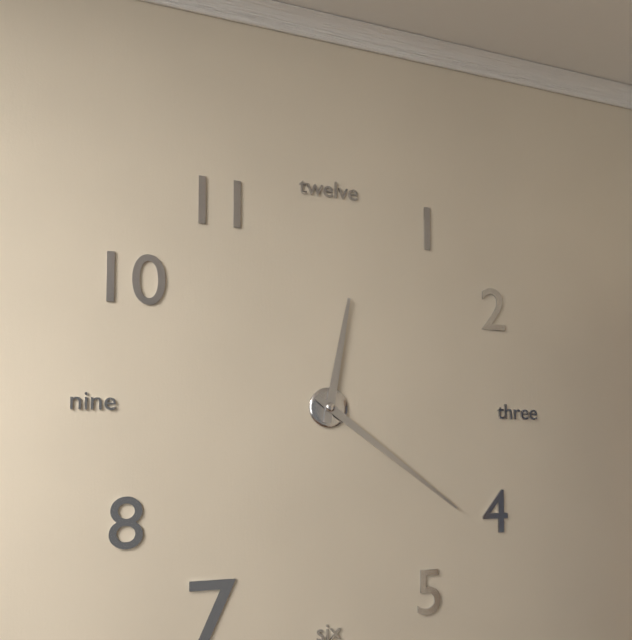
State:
12,21
